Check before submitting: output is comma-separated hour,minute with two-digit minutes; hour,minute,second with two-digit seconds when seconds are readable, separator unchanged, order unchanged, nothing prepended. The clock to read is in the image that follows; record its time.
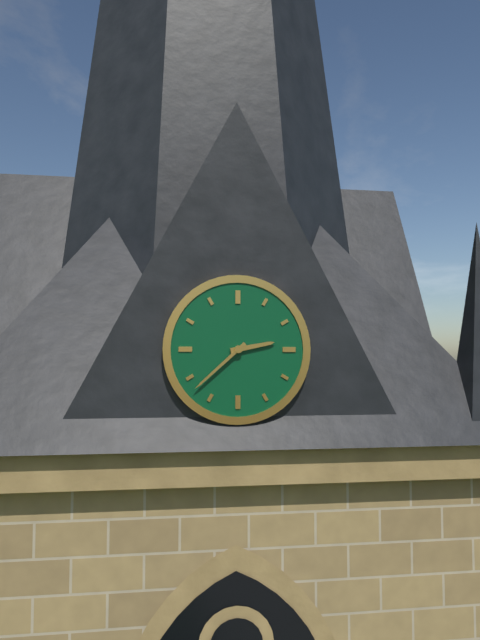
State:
2,38
